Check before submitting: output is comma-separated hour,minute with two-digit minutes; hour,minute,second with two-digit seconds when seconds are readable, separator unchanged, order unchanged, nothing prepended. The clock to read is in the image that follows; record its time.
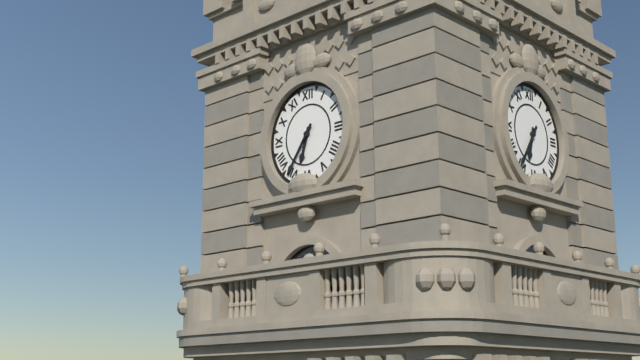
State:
6,36
